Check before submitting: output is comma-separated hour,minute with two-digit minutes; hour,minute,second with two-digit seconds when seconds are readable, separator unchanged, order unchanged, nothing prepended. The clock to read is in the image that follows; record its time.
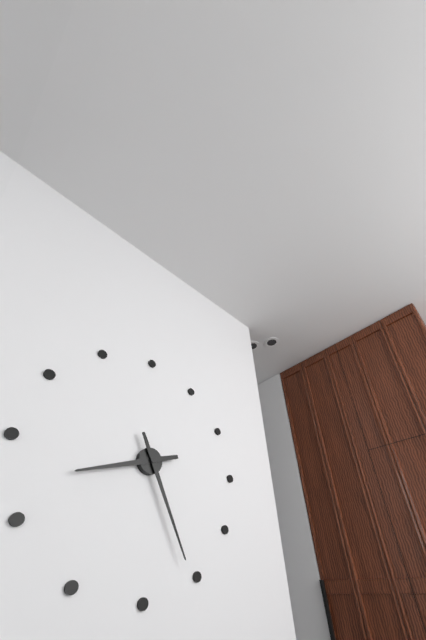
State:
8,26
